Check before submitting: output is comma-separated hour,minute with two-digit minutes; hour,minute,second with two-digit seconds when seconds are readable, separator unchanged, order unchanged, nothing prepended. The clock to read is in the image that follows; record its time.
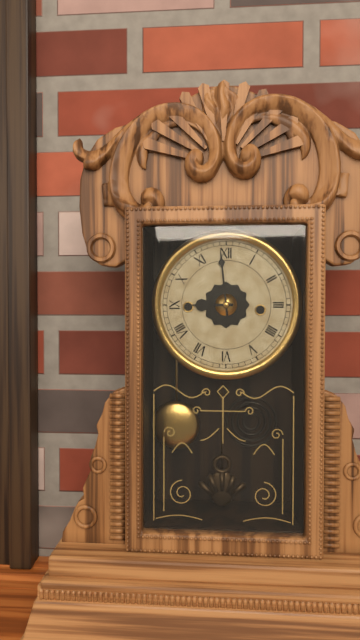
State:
8,59
